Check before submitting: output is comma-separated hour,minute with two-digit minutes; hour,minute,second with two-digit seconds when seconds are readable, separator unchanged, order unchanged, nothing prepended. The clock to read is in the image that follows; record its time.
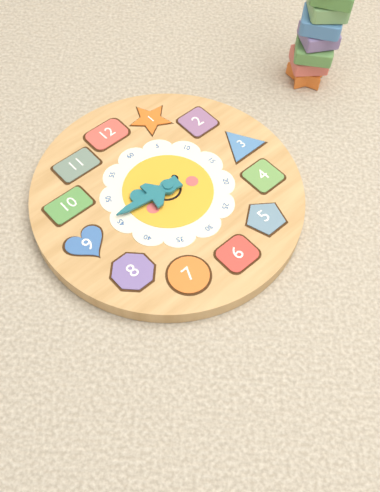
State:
9,46
